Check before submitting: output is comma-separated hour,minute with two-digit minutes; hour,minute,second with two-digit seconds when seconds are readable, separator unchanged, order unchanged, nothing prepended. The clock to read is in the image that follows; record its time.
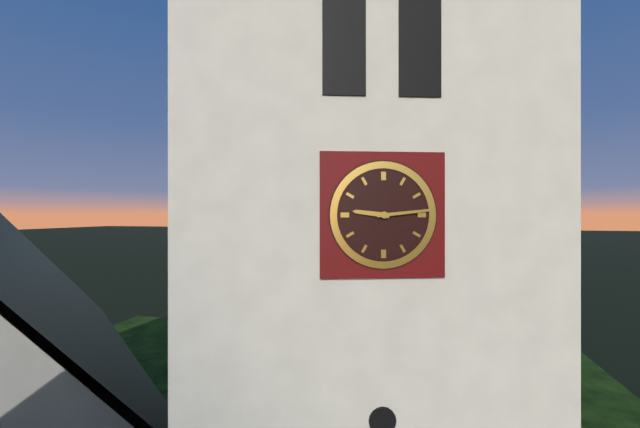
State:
9,14
